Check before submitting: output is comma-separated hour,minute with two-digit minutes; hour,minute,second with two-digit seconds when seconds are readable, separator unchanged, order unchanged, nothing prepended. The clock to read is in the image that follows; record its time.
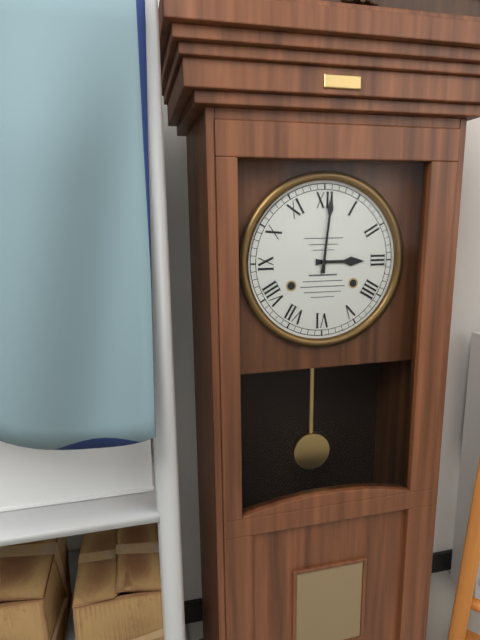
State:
3,01
